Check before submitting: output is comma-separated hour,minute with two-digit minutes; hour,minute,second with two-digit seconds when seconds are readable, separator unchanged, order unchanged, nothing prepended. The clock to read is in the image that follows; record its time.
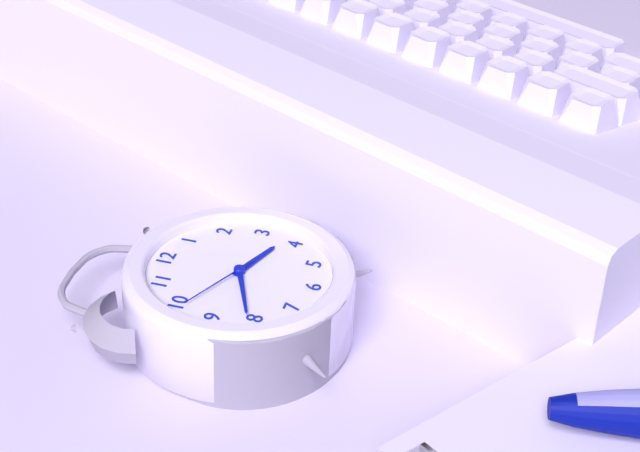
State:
3,41,49
